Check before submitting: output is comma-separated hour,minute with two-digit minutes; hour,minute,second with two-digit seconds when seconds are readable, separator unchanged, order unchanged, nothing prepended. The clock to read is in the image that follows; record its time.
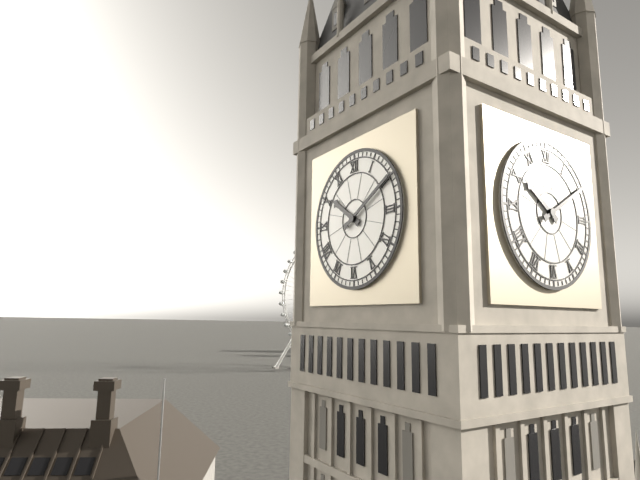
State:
10,10
